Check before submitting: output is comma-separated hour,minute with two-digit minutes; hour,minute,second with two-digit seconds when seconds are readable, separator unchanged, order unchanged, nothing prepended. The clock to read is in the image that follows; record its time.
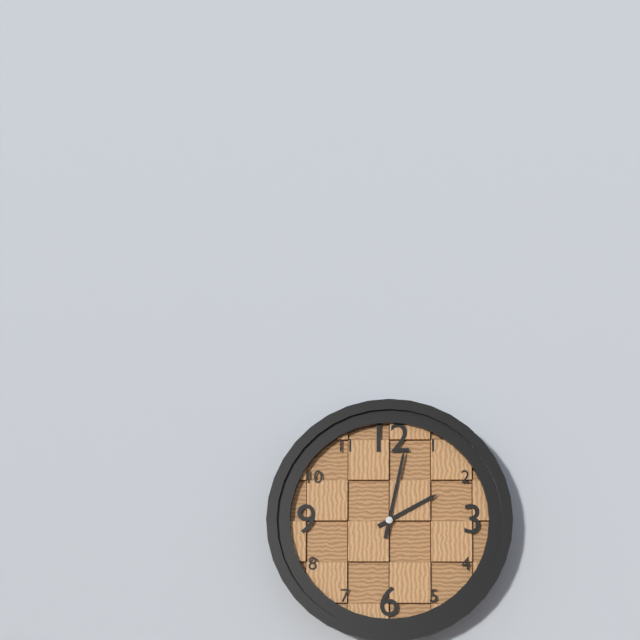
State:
2,02
